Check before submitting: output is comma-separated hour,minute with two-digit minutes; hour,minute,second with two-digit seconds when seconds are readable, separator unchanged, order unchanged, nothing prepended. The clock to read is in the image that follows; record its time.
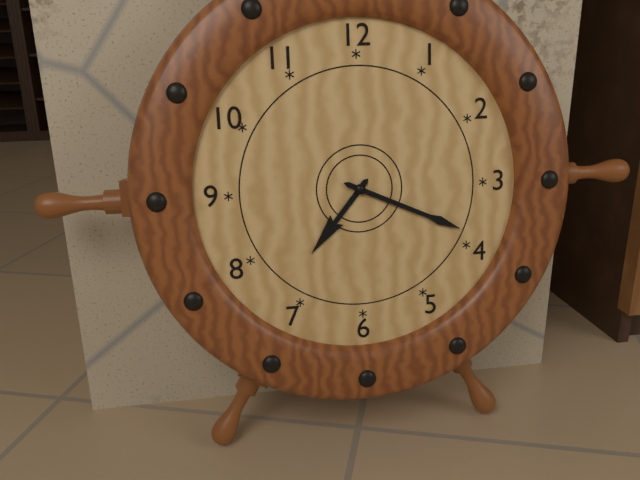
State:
7,19
